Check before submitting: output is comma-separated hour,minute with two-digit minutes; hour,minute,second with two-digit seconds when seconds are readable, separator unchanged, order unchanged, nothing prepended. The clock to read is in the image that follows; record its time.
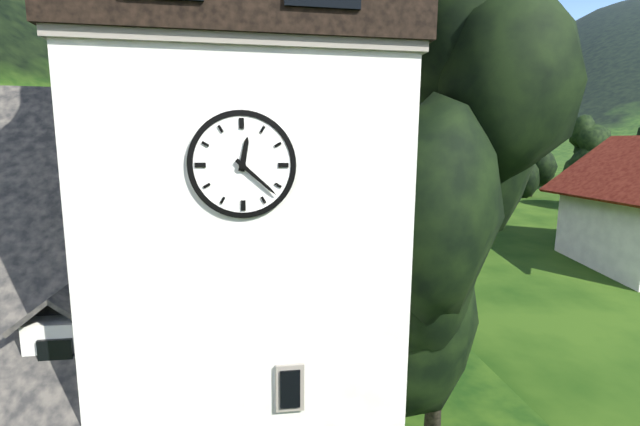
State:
12,22
